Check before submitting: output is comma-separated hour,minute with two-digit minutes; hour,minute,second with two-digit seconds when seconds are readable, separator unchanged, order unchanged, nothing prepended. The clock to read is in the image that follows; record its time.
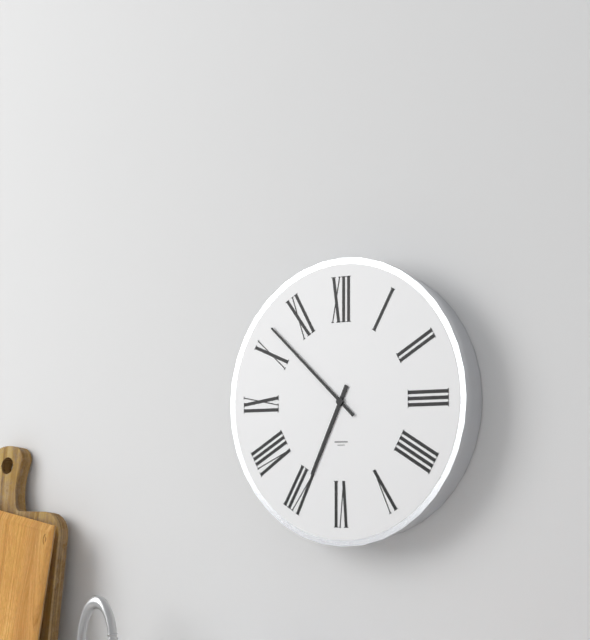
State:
6,52
